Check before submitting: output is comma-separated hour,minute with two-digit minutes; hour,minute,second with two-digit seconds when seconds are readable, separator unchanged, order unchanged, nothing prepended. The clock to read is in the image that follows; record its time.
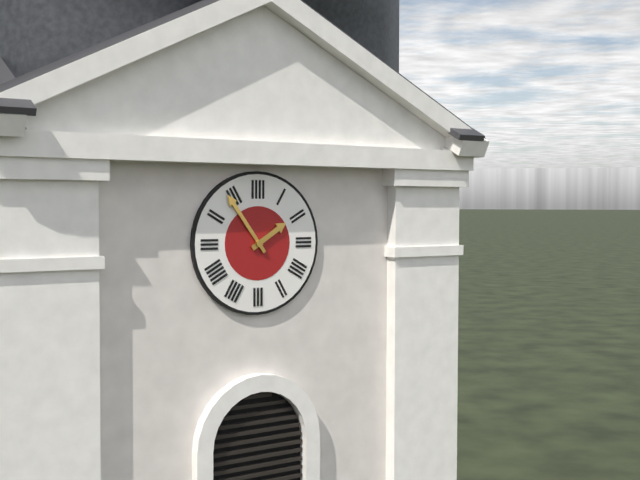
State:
1,54
